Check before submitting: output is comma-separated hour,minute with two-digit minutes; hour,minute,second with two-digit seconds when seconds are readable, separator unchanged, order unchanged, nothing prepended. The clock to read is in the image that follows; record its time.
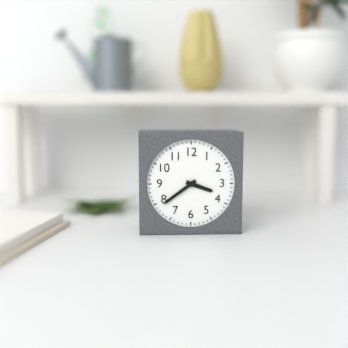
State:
3,39
